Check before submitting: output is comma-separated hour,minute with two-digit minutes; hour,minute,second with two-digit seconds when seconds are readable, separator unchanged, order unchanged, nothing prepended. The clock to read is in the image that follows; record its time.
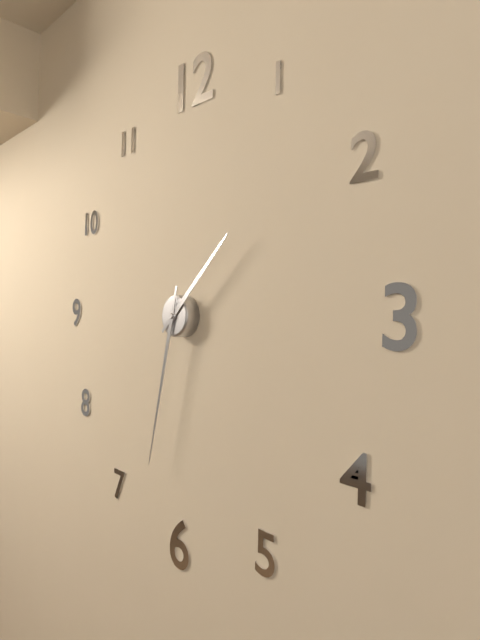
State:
1,32
